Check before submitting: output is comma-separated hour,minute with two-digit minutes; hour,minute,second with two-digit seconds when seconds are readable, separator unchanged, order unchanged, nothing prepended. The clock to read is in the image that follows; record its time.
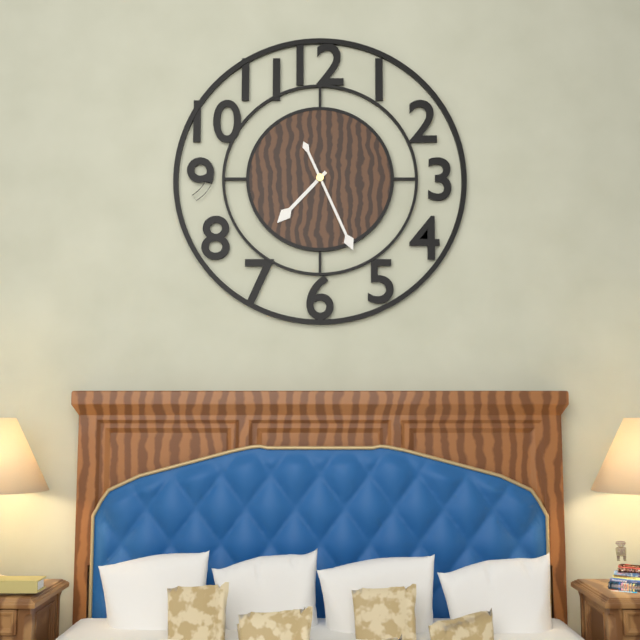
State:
7,26
